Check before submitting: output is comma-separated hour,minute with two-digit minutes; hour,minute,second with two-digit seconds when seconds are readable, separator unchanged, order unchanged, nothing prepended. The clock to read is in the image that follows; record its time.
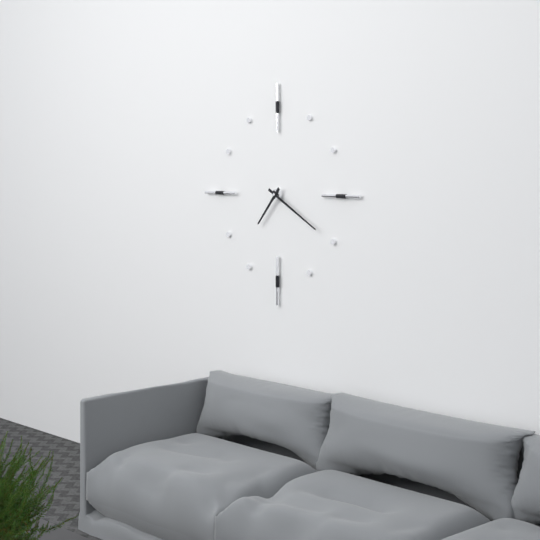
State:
7,20
